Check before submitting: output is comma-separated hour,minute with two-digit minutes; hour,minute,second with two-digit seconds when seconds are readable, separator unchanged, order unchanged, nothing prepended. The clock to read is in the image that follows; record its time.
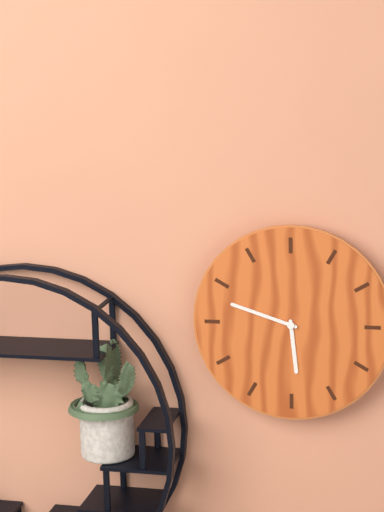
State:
5,48
